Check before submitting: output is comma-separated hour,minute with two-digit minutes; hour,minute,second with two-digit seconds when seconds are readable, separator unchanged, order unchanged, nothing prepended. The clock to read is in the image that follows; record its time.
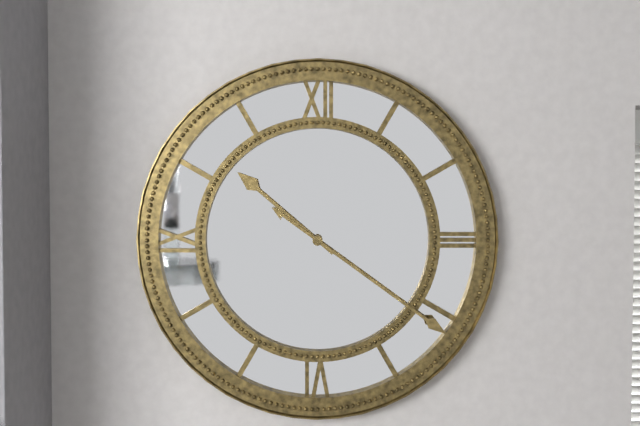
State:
10,21
